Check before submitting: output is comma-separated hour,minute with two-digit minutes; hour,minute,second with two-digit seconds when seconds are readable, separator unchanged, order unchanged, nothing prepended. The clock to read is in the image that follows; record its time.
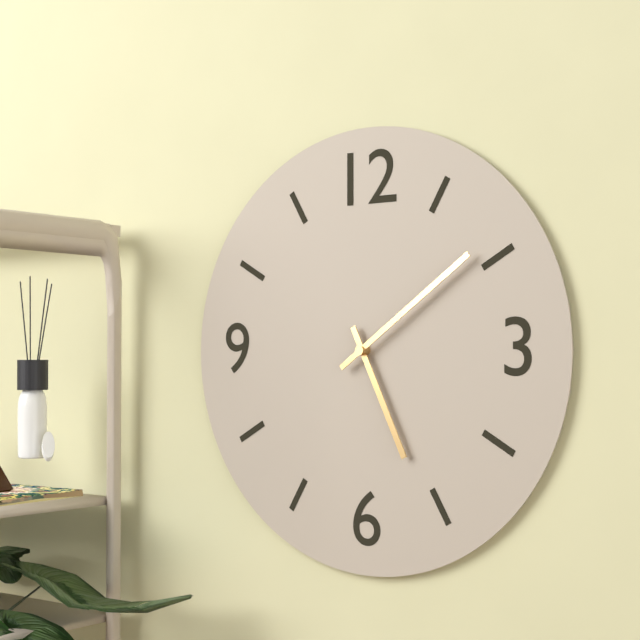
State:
5,09
